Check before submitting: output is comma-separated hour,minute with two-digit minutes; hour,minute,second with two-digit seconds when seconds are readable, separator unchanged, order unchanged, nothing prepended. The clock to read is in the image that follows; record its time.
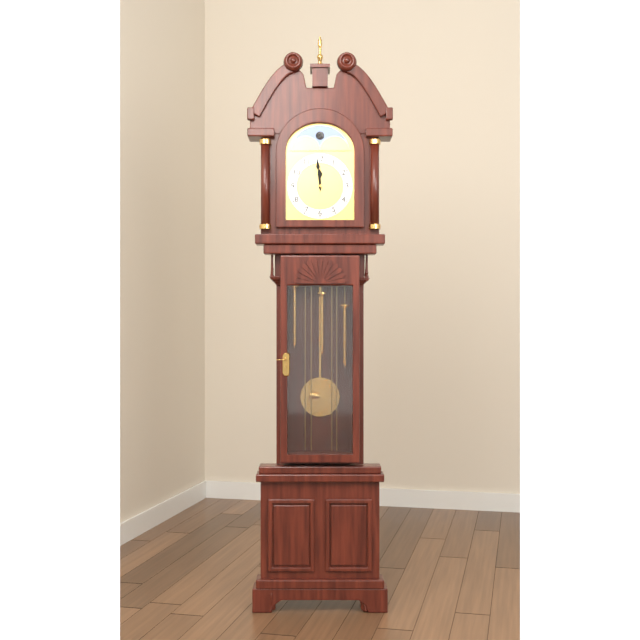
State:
11,59
